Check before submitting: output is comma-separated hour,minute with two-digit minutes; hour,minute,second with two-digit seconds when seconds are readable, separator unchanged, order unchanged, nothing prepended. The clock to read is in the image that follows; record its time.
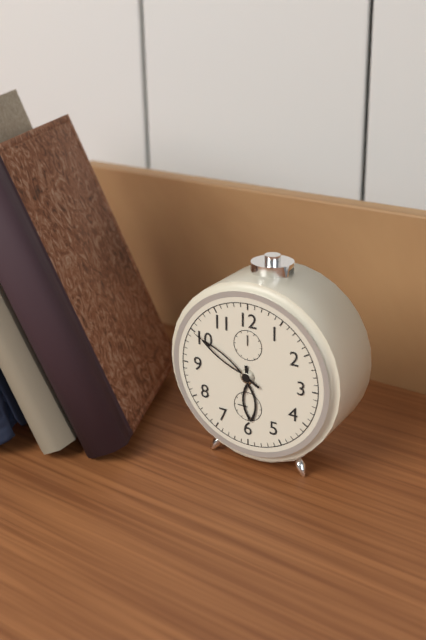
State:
5,50
